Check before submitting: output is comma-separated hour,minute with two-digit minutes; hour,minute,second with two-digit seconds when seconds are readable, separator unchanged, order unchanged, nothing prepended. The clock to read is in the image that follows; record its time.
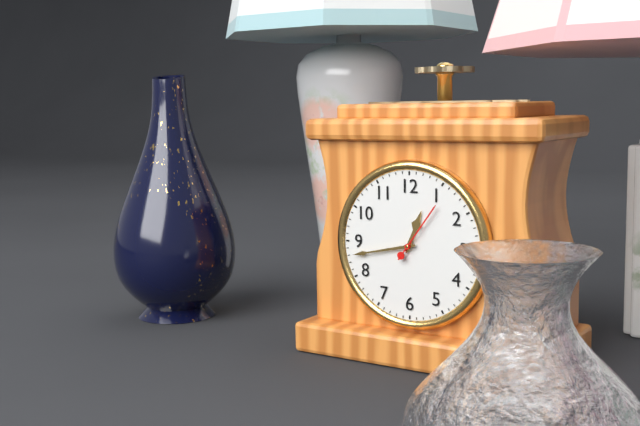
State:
12,43,06
